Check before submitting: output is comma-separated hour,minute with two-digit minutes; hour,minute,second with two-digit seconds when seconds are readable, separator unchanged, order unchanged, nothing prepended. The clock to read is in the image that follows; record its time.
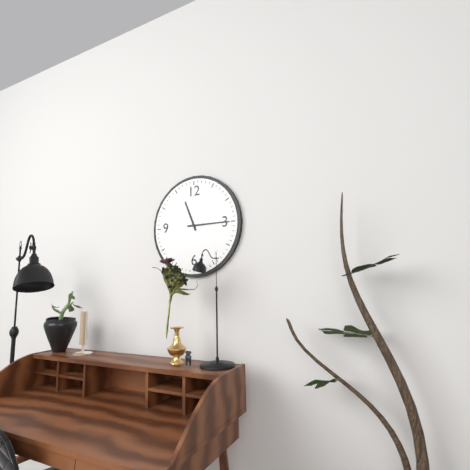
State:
11,15
